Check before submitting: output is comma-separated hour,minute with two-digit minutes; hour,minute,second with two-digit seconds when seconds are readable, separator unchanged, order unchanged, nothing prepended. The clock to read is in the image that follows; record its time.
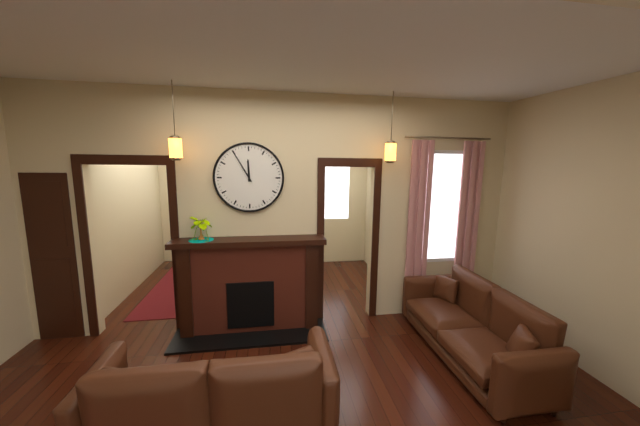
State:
11,55
